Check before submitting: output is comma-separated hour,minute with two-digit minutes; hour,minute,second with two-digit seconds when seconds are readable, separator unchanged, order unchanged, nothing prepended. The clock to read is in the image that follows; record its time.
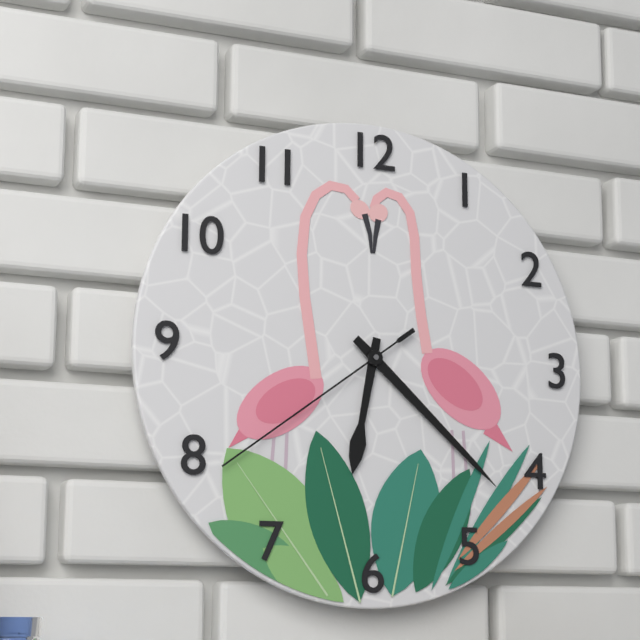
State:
6,22,39
